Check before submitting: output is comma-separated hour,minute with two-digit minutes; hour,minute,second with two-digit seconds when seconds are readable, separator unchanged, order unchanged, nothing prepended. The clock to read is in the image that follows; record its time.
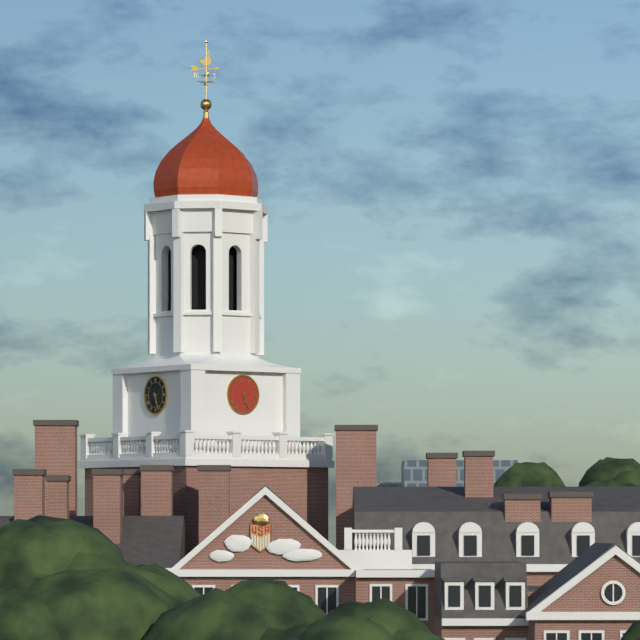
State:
5,26
